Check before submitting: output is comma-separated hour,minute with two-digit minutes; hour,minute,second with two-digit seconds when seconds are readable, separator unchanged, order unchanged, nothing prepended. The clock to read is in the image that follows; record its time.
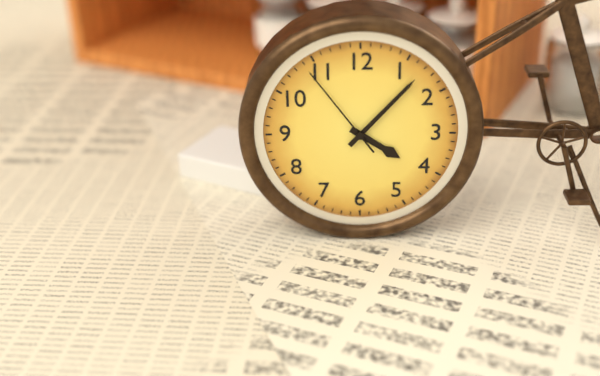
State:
4,07,54
